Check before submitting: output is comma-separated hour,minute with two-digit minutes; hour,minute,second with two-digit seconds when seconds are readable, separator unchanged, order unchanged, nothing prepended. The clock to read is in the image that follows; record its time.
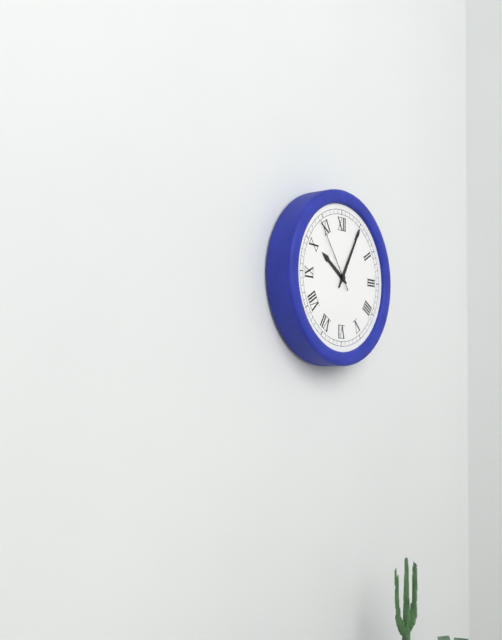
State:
10,05,54
